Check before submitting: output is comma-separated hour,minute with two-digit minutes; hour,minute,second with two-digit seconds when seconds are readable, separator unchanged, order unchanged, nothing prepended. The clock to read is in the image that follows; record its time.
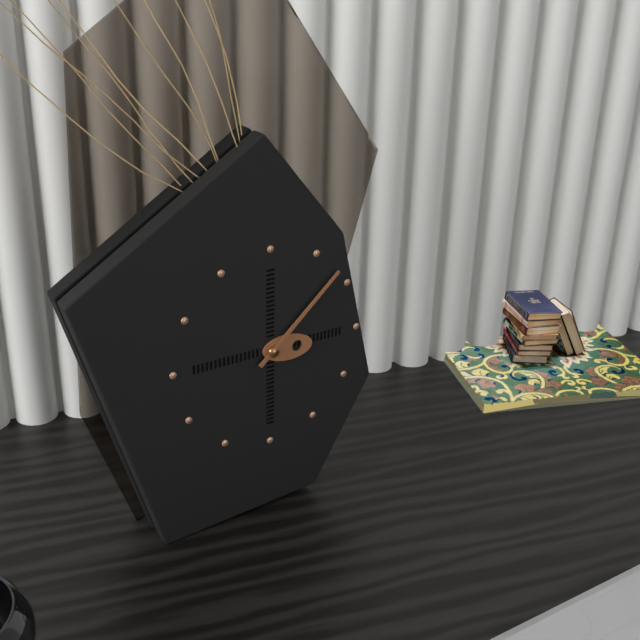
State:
3,08
